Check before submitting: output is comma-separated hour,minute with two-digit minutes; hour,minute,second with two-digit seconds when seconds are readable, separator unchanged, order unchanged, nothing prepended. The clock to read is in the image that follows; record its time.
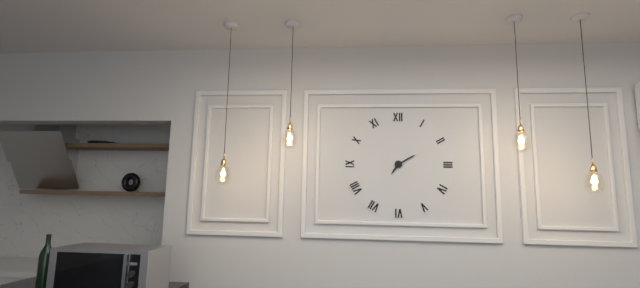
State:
7,10
